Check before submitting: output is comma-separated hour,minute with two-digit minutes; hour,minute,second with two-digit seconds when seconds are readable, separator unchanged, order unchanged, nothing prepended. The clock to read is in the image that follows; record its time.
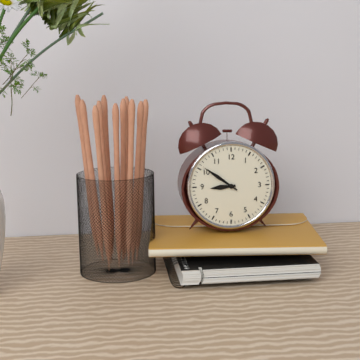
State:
8,51
